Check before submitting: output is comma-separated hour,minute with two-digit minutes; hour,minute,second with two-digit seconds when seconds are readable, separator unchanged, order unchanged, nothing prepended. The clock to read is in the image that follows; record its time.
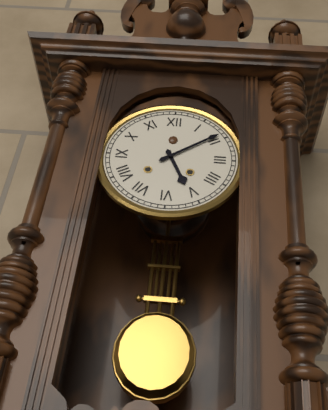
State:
5,09
